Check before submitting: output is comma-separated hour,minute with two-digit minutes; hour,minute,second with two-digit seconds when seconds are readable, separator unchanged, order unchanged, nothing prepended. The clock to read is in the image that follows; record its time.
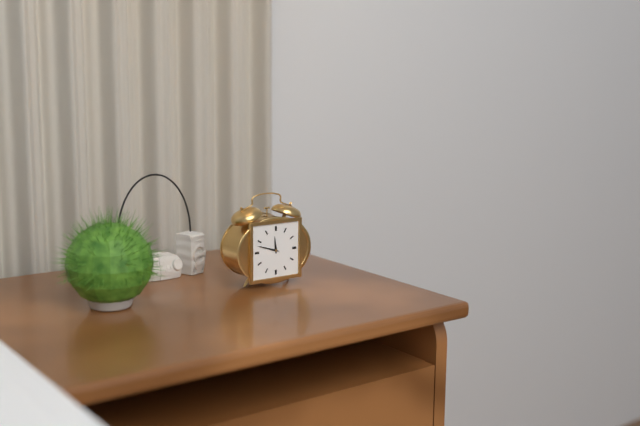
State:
11,48
